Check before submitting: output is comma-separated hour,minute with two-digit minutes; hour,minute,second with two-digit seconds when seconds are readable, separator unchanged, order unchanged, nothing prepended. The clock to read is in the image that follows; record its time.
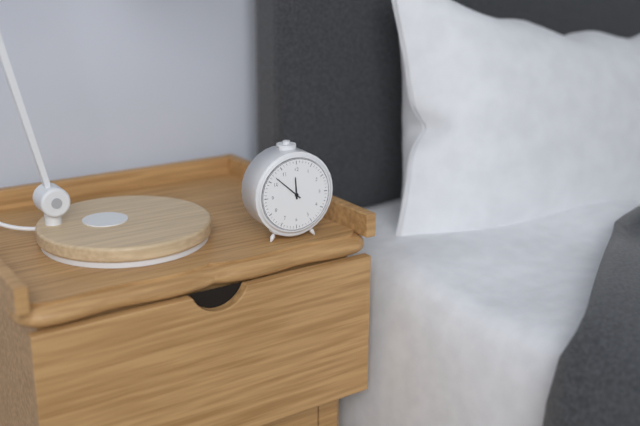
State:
11,52
